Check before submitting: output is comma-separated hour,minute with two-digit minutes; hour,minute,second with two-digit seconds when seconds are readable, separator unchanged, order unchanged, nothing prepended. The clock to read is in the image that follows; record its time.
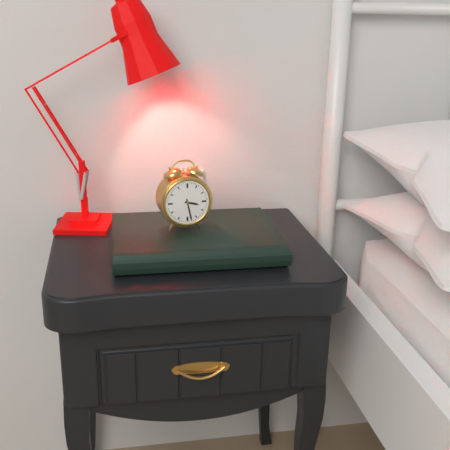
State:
3,28
